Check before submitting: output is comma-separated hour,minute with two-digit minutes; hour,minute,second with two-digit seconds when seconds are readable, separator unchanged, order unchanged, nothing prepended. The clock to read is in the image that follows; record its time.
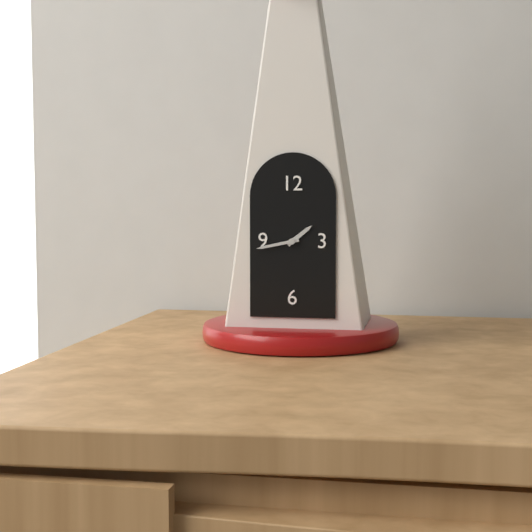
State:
1,43
